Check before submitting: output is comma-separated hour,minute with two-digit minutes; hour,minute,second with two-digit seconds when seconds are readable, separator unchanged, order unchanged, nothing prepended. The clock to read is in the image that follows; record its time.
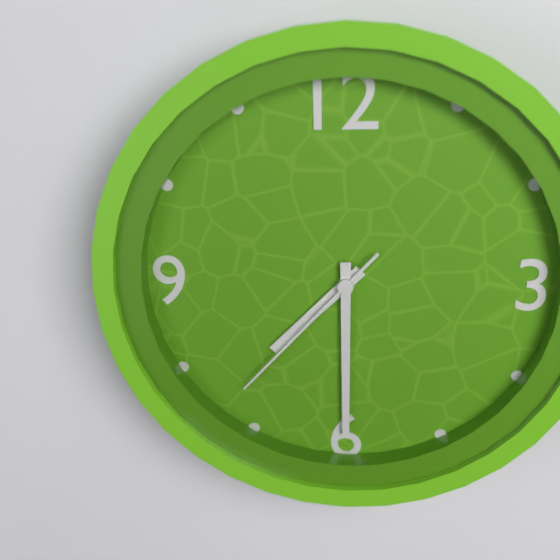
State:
7,30,37
